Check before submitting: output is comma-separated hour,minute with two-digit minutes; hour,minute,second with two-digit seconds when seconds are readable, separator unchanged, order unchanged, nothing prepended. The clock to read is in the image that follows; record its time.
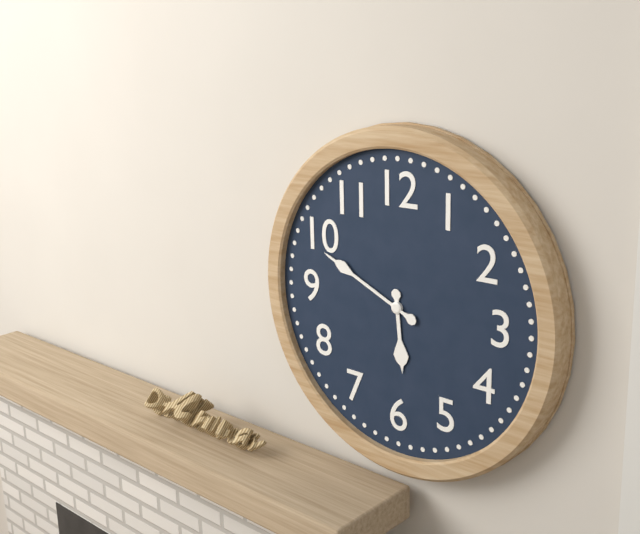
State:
5,49
